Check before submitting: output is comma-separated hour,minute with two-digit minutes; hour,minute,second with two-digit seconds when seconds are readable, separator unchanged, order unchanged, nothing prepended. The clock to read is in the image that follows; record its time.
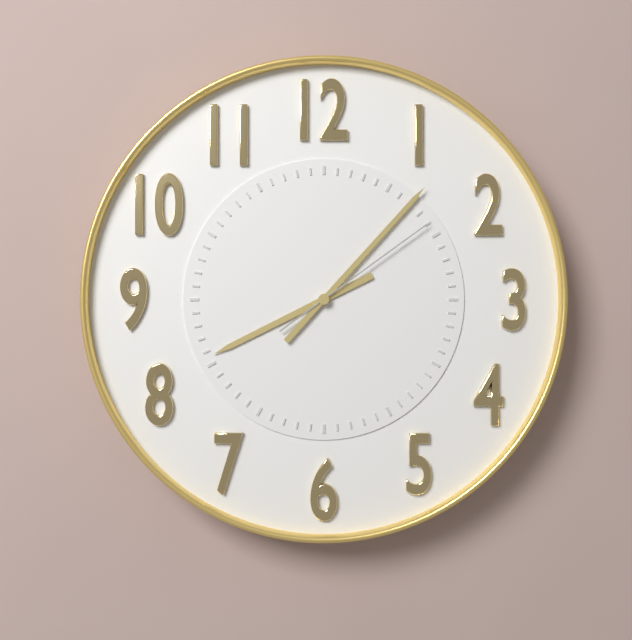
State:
8,07,09
